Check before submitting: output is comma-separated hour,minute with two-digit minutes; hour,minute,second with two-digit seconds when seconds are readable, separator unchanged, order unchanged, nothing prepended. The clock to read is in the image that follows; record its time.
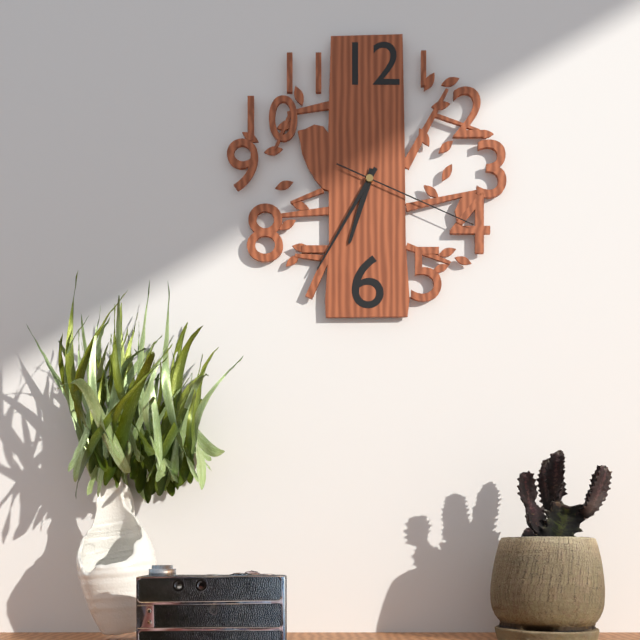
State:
6,35,19
